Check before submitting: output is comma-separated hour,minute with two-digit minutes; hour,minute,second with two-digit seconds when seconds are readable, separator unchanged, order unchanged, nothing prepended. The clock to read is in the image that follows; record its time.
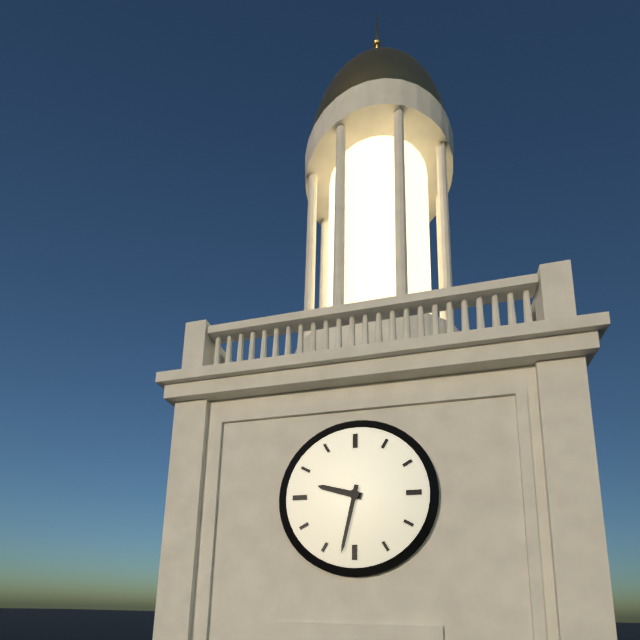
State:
9,32
